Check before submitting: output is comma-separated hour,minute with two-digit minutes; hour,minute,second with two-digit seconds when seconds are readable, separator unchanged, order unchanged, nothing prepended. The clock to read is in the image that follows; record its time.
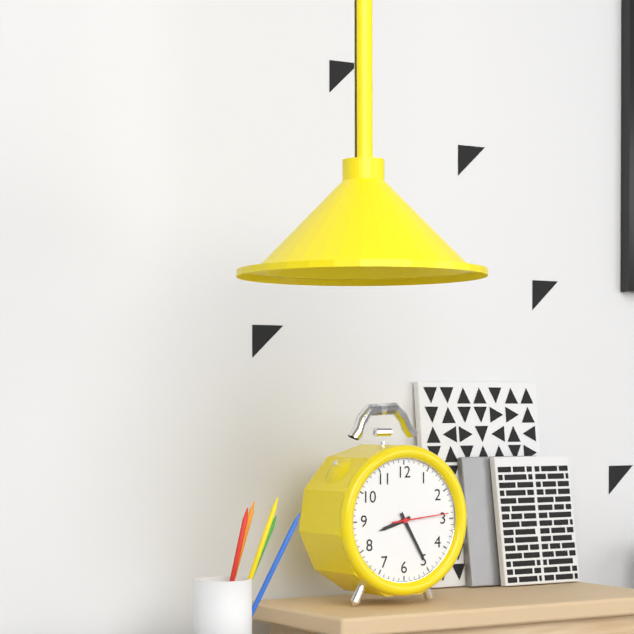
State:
8,25,14
